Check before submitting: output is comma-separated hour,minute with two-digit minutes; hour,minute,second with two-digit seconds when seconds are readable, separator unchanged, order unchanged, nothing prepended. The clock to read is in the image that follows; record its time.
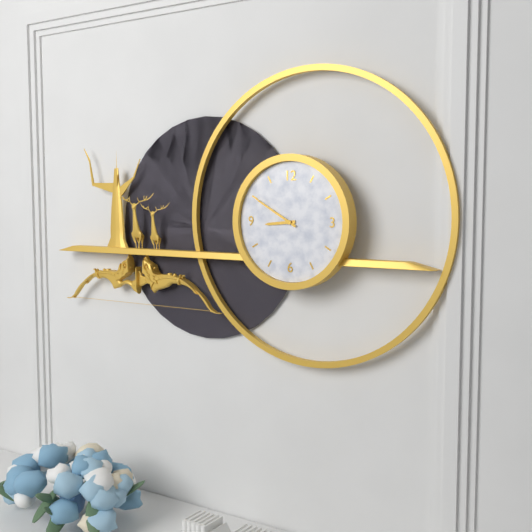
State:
8,50
